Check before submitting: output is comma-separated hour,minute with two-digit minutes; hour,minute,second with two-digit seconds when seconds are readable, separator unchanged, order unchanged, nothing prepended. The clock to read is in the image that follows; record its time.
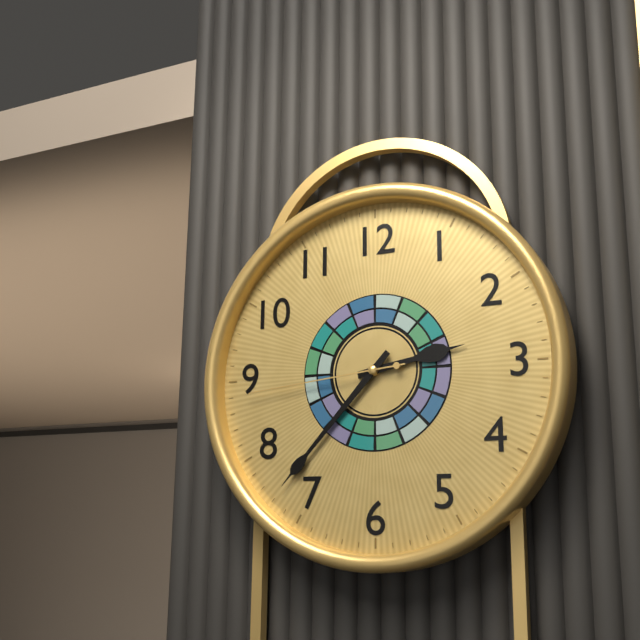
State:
2,37,44
